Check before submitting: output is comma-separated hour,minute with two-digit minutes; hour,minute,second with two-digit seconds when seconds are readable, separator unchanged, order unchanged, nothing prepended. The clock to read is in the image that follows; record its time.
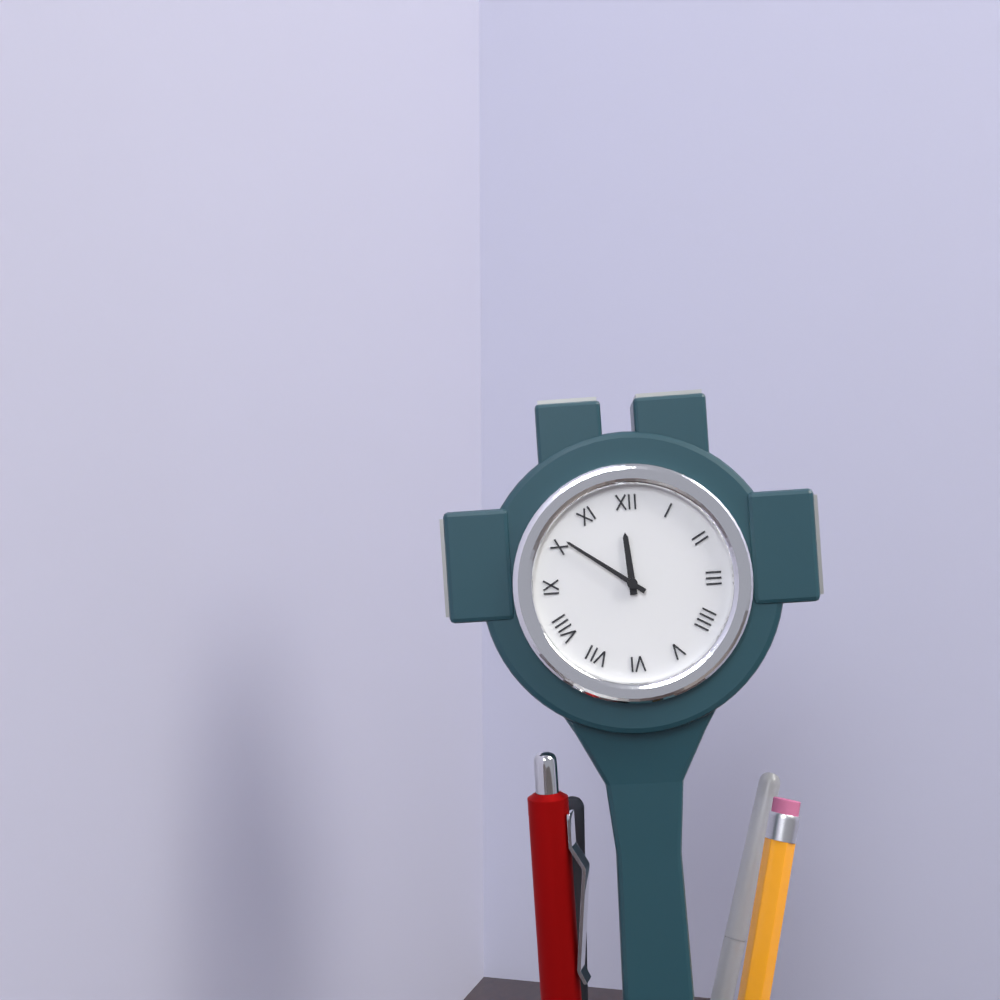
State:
11,51
